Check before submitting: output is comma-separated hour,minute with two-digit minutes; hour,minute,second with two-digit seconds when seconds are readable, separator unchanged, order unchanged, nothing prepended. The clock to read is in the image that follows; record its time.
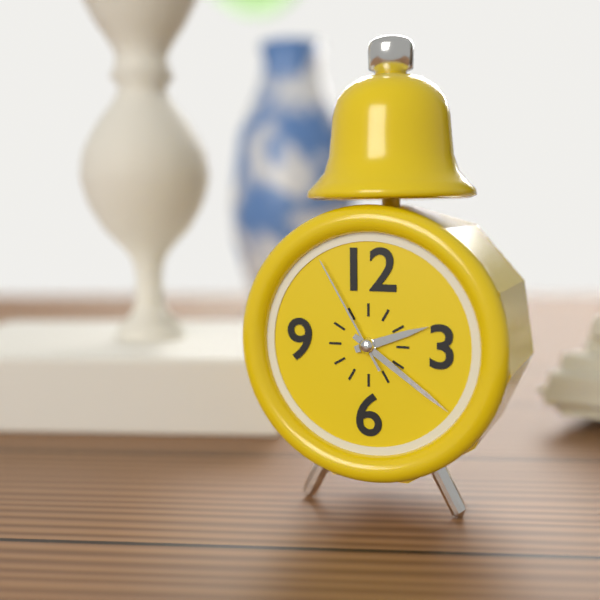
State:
2,21,55
